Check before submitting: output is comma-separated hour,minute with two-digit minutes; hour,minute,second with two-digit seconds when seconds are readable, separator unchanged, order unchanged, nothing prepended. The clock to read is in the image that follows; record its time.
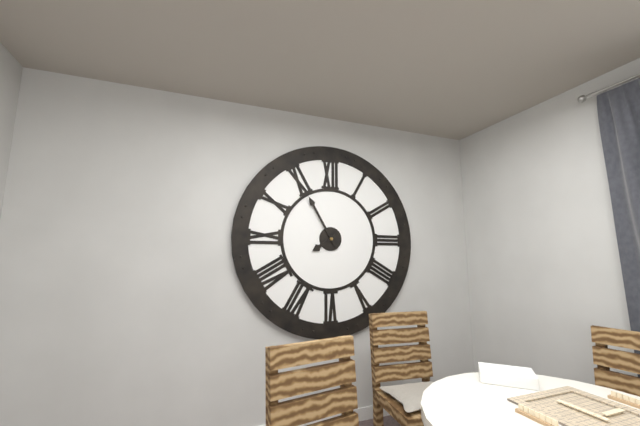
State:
7,55
